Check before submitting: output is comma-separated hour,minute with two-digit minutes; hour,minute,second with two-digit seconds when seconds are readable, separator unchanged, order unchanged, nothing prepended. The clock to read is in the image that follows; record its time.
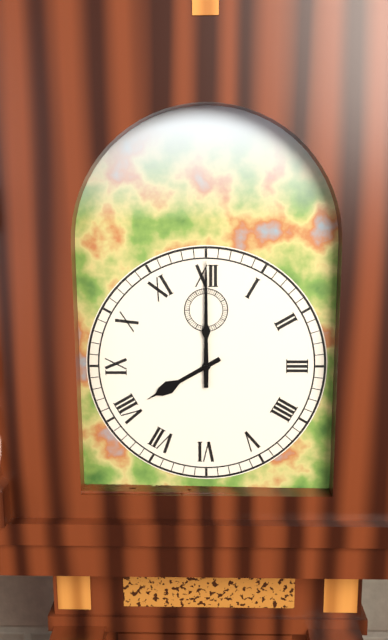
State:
8,00
